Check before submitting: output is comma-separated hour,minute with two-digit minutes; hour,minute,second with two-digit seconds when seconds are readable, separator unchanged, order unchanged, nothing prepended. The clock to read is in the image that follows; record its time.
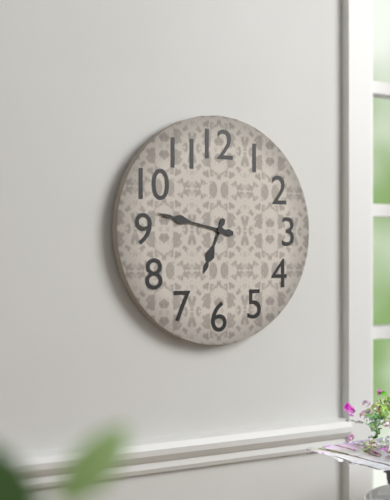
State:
6,47
